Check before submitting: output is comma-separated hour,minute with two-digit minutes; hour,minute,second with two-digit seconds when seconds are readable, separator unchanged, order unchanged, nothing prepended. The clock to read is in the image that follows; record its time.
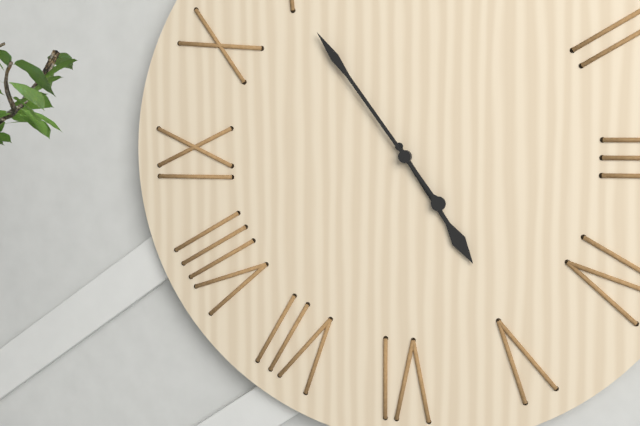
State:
4,54
